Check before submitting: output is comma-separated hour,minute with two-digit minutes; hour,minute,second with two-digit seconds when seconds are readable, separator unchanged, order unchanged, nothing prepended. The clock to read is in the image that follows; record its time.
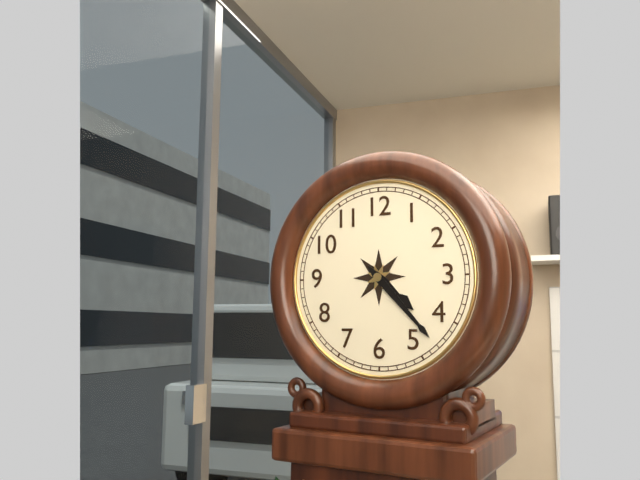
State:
4,23
